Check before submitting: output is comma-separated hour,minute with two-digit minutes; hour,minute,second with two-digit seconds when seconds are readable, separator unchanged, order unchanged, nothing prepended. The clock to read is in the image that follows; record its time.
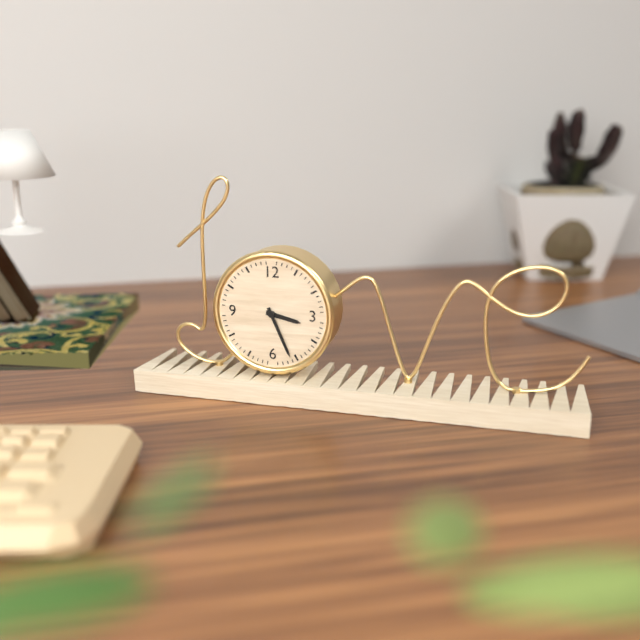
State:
3,26
